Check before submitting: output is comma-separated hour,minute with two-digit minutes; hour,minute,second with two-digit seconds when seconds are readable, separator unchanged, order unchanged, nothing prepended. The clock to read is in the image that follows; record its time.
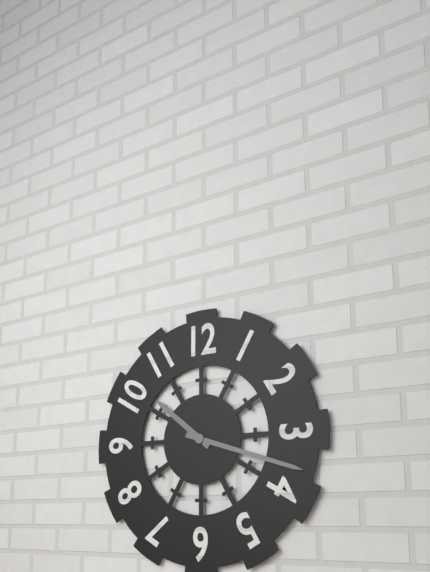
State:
10,18
